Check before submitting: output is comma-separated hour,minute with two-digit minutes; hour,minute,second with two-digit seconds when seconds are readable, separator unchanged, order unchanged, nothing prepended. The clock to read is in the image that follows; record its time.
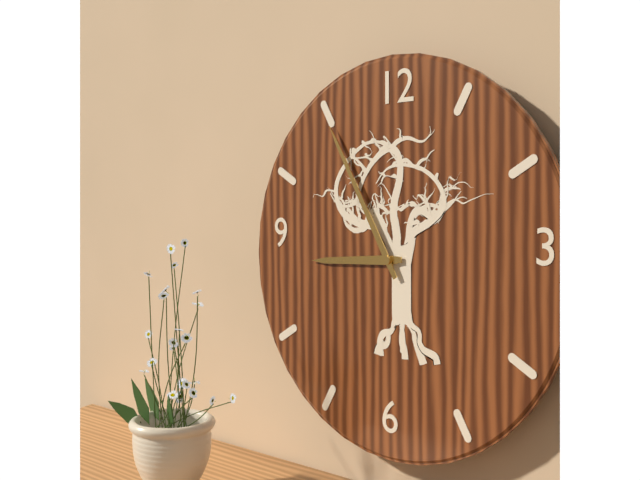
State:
8,55
